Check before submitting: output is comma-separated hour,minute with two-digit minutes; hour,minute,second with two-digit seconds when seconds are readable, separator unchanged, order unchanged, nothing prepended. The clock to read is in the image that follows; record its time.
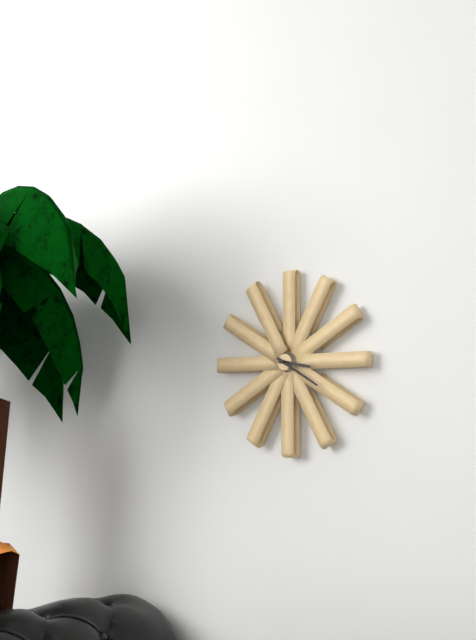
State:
3,20
